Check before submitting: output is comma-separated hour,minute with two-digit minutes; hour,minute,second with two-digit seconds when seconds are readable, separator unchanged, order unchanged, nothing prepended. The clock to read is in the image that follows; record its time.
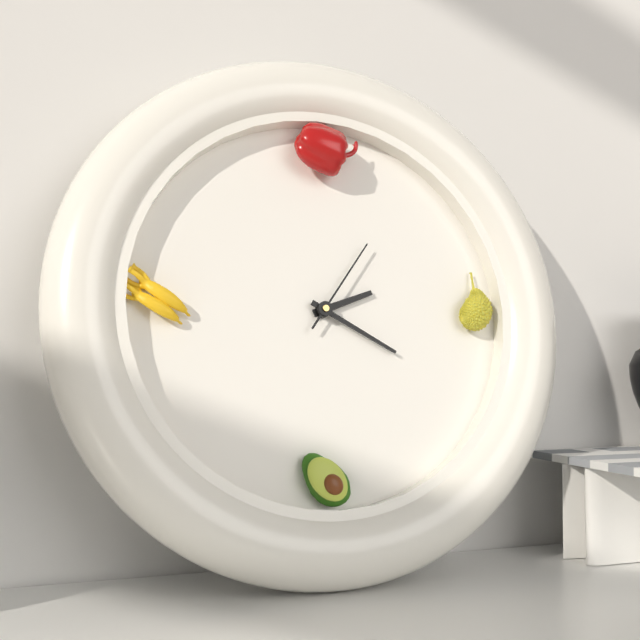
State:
2,20,06
